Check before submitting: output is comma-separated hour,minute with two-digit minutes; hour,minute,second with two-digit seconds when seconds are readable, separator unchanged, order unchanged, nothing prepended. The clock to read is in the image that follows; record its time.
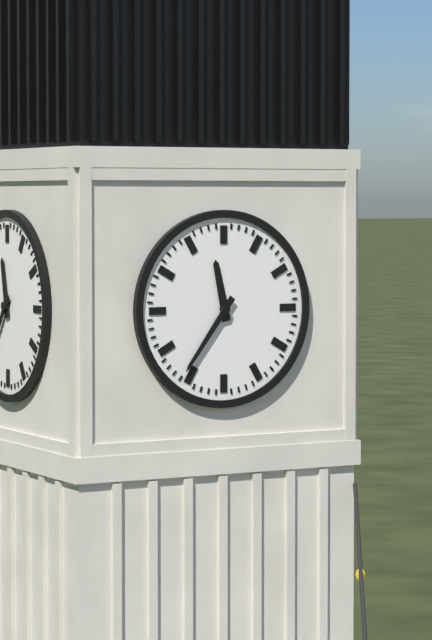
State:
11,36
